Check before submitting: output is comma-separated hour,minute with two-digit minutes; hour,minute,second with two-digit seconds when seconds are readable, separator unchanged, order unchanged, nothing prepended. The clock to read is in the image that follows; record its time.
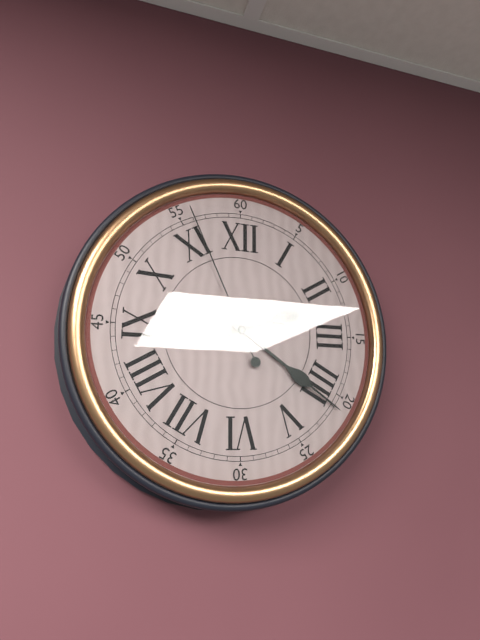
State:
2,21,56
